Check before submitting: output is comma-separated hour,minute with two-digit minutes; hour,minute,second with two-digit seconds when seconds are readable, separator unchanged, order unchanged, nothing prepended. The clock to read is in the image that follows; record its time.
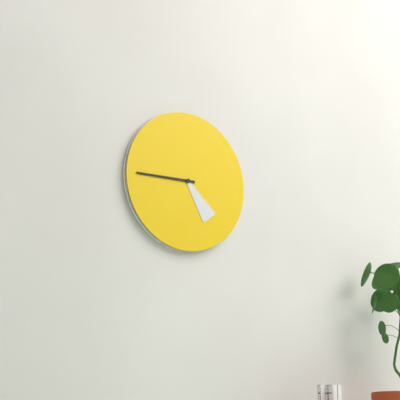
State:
4,45
